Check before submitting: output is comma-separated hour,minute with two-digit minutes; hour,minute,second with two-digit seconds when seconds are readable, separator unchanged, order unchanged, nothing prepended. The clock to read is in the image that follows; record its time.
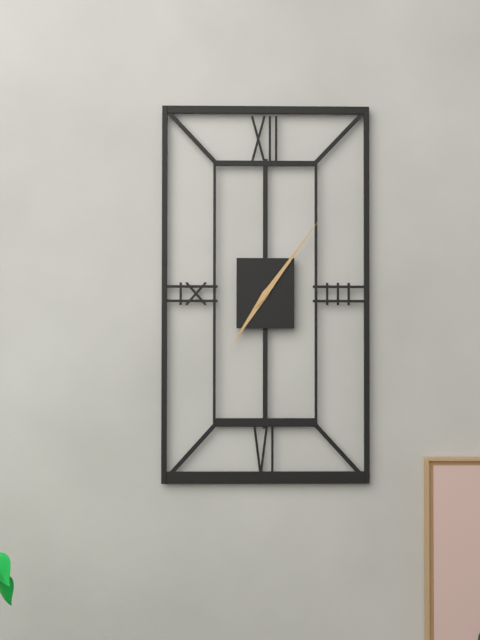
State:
7,06
